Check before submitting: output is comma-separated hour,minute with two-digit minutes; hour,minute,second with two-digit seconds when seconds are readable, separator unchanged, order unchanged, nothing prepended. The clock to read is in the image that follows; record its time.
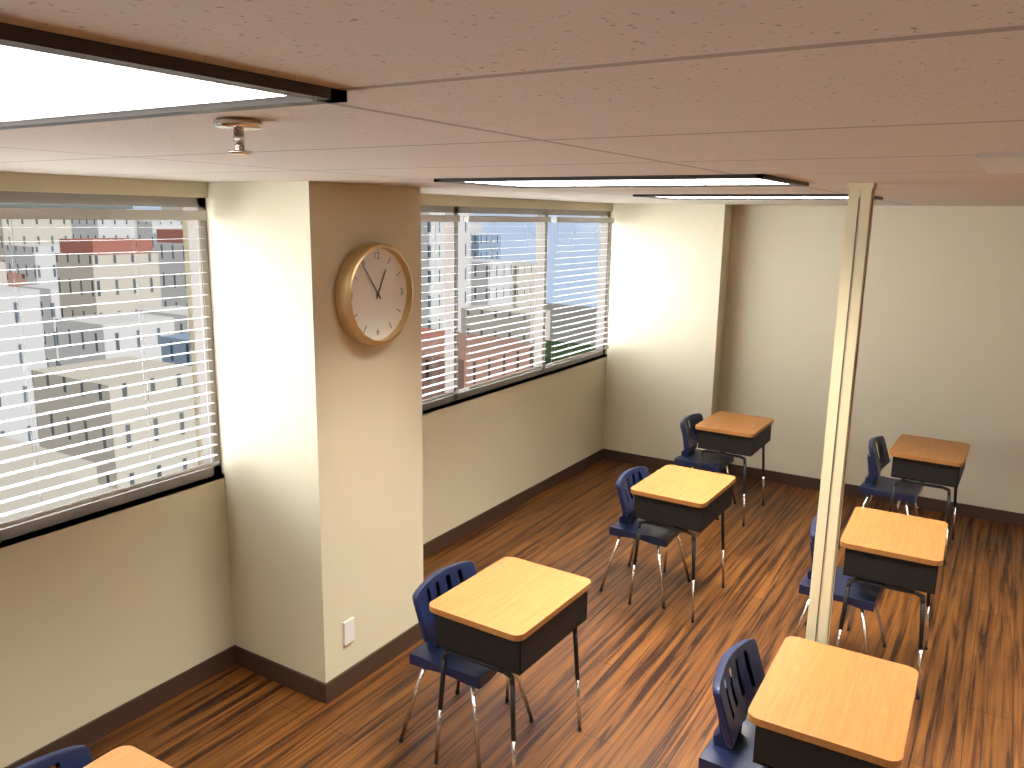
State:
12,54
